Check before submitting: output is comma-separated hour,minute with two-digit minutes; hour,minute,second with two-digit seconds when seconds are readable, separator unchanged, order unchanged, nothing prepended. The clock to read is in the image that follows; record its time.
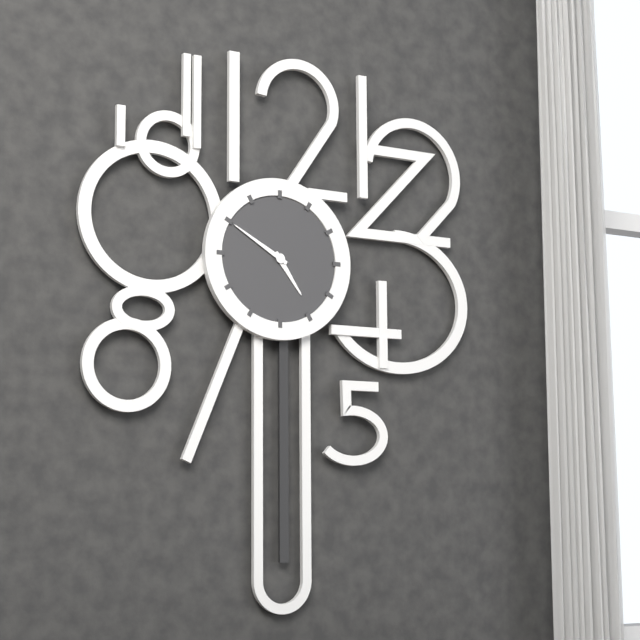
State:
4,50
